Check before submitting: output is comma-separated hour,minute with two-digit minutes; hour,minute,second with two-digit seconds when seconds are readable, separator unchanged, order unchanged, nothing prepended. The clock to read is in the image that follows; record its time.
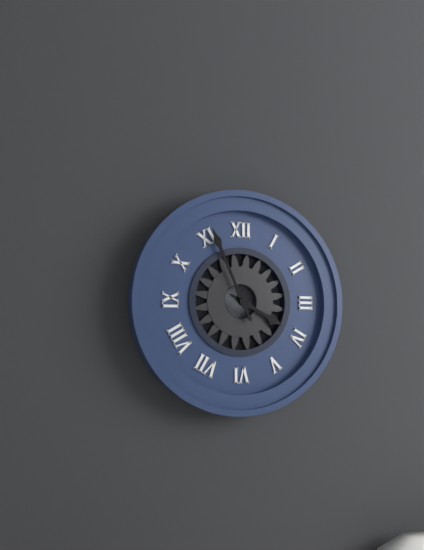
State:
3,56
